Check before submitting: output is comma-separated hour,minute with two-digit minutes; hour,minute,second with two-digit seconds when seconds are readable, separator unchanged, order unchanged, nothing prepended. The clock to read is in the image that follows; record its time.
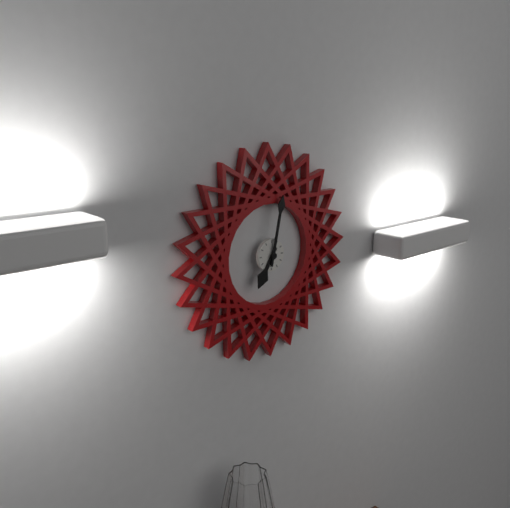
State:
7,02
